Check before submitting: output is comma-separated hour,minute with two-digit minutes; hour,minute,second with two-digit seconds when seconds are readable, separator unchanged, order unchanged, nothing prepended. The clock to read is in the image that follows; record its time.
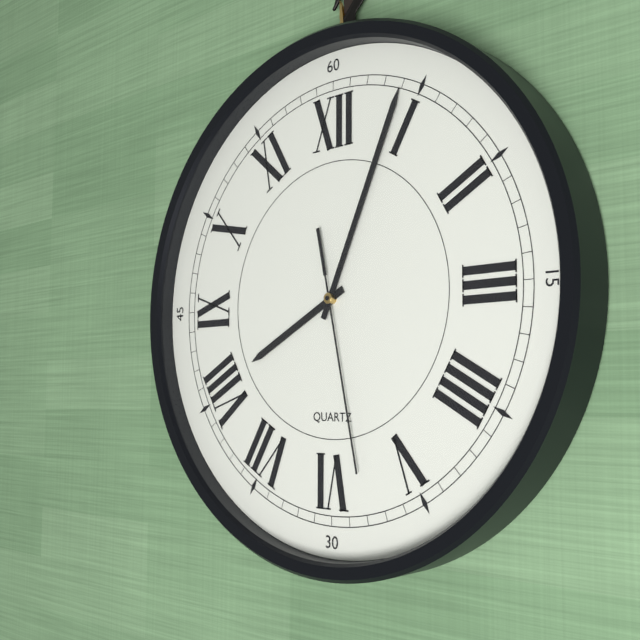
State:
8,04,28
